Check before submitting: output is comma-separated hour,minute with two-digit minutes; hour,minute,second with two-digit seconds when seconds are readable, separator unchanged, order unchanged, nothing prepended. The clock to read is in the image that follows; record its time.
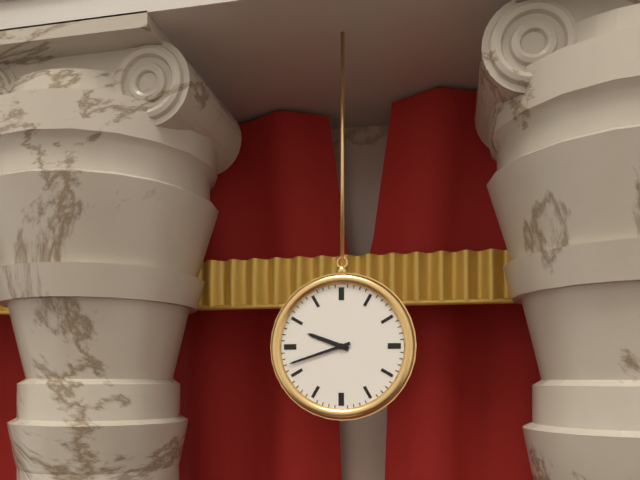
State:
9,42
